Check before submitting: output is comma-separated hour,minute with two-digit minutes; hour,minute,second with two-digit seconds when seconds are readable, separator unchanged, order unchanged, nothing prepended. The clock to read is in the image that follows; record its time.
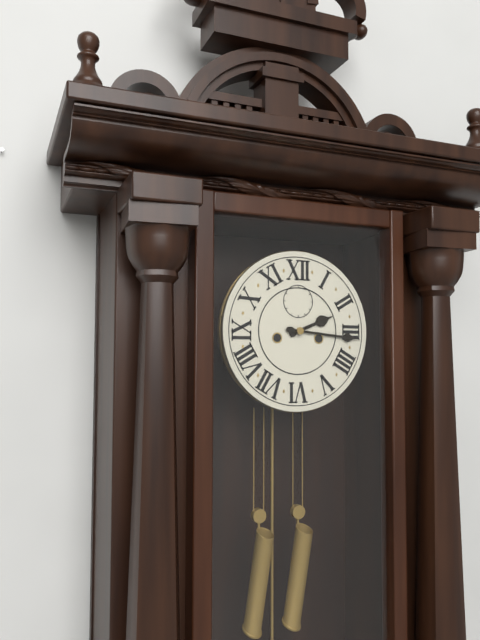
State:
2,16
